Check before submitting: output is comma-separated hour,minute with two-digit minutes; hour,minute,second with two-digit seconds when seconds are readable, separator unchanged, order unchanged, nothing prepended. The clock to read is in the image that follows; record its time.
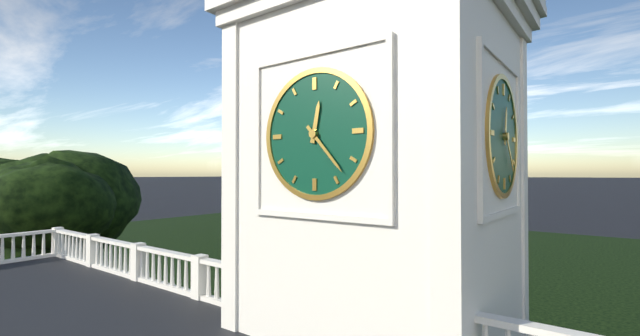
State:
12,23
